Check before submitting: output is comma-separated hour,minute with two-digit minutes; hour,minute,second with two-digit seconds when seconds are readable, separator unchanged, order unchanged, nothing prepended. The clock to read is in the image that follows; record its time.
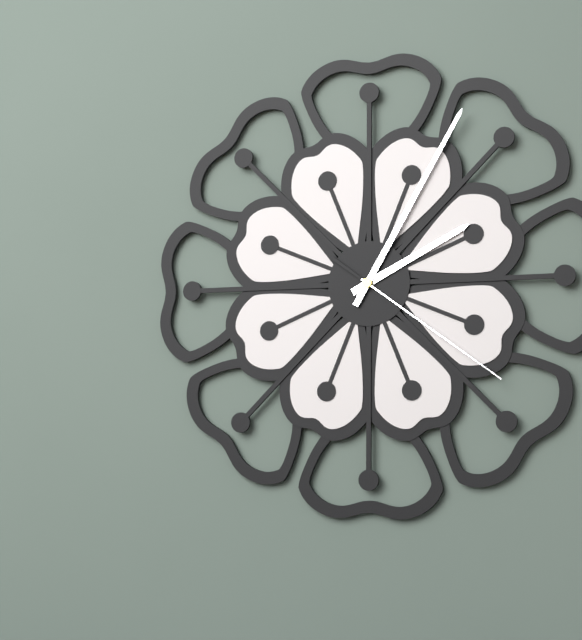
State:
2,05,21
